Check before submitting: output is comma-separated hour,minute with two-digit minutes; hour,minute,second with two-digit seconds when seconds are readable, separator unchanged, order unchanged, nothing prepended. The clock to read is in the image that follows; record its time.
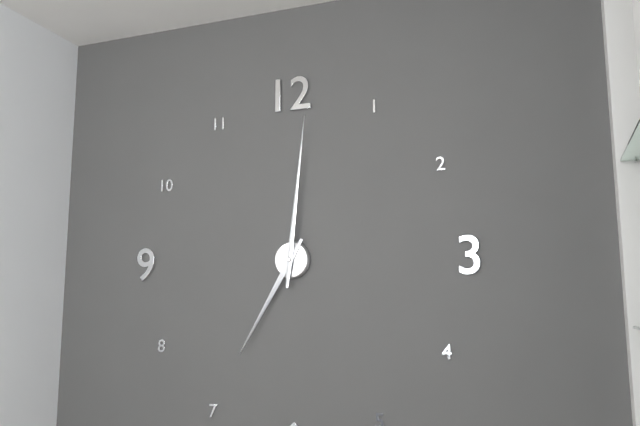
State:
7,01
